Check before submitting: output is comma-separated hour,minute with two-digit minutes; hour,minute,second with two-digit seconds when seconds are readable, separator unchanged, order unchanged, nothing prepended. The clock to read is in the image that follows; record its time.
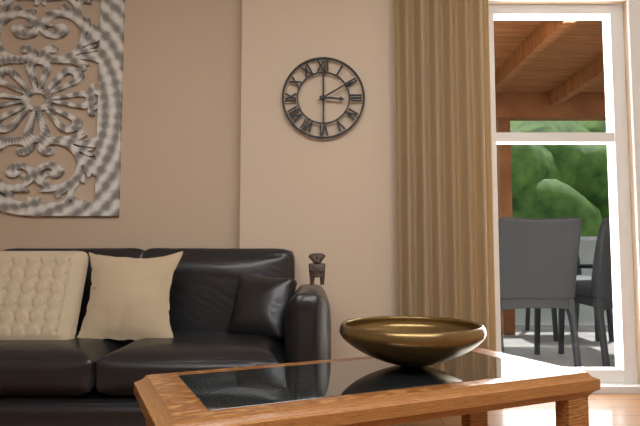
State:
3,10
